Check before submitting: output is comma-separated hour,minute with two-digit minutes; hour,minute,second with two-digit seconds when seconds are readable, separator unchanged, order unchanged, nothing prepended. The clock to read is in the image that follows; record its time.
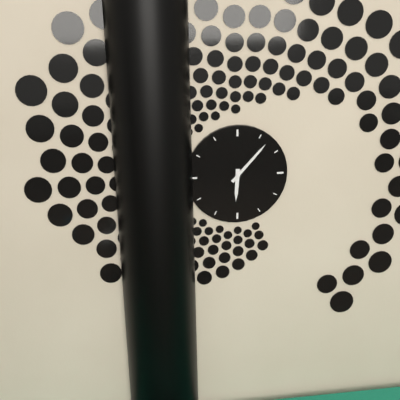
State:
6,07
